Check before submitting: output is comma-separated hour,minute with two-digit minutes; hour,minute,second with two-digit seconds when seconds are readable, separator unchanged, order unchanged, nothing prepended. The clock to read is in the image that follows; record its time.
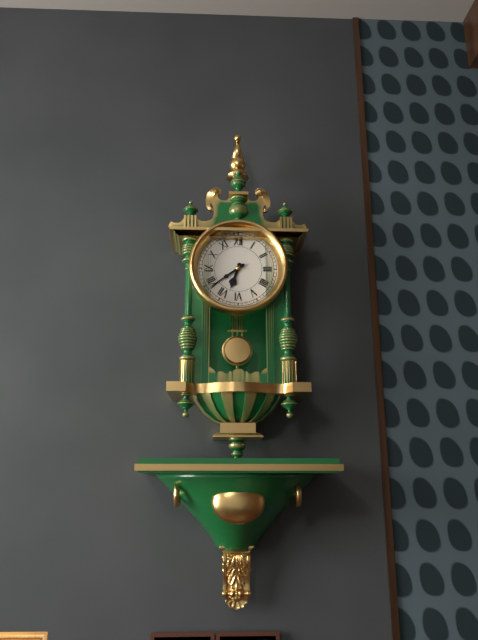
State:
6,39
